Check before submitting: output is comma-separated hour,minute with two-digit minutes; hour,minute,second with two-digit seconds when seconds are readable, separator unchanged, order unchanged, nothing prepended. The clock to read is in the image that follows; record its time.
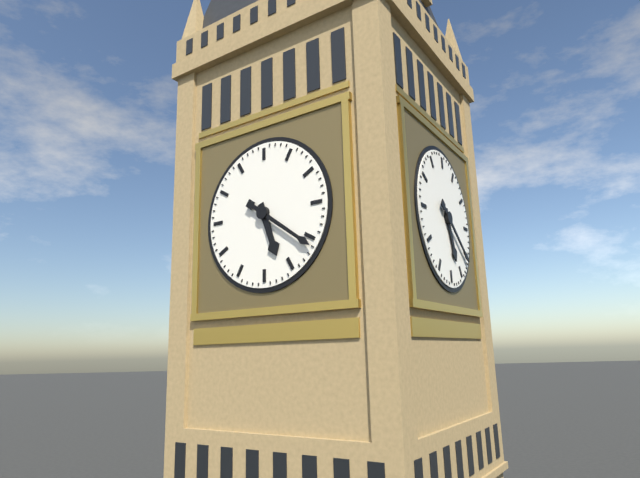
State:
5,21
